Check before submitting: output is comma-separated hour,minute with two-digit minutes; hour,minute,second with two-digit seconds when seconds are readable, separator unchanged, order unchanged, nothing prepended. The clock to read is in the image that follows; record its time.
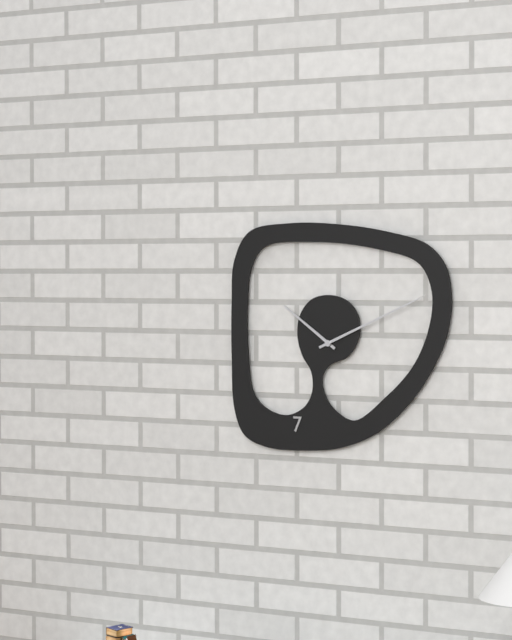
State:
10,11
